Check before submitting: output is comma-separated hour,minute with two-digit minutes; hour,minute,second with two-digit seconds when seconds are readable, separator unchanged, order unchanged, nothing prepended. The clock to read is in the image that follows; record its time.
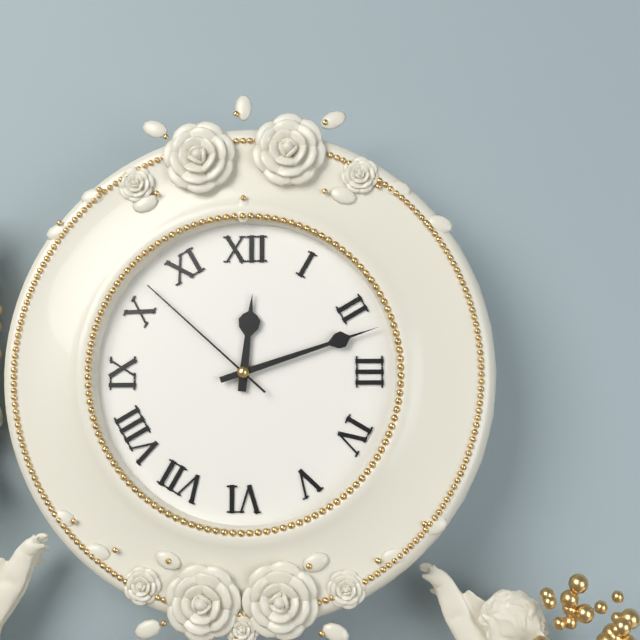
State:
12,12,52
